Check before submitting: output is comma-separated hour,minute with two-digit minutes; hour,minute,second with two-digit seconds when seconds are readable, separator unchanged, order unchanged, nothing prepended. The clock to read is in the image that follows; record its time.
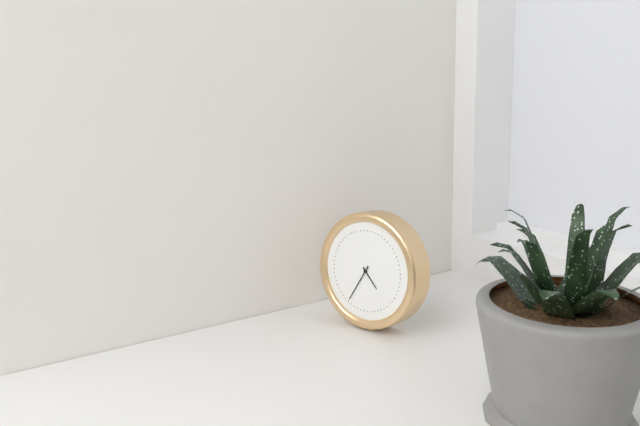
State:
4,35
